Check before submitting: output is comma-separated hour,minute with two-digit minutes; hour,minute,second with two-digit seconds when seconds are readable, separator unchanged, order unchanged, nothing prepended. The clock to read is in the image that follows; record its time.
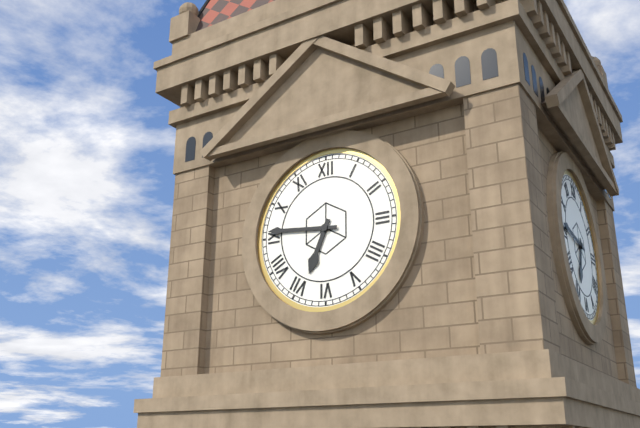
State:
6,46
